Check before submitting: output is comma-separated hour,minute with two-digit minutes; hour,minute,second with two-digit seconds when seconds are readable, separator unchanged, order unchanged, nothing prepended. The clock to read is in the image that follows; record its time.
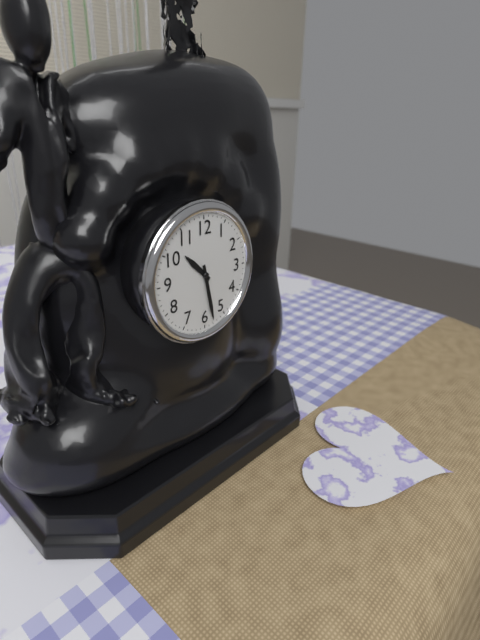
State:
10,28
